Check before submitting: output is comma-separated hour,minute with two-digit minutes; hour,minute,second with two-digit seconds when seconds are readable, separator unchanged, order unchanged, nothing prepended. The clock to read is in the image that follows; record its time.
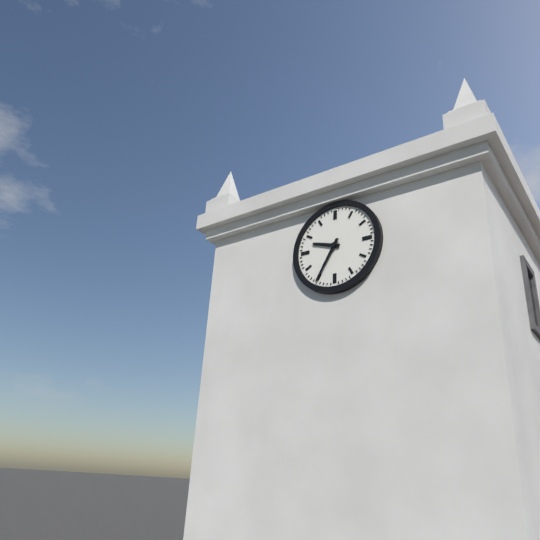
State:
9,35
